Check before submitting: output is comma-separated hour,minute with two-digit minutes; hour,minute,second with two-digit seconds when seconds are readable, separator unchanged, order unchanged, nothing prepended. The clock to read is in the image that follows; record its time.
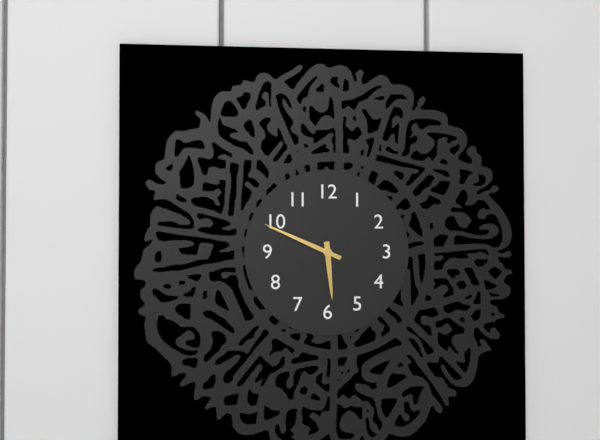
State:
5,49
